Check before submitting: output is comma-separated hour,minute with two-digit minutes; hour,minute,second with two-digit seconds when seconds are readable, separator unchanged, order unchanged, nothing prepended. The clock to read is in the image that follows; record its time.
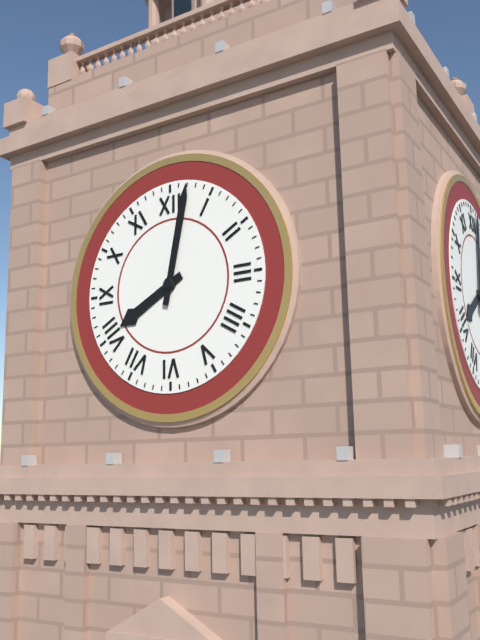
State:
8,02
